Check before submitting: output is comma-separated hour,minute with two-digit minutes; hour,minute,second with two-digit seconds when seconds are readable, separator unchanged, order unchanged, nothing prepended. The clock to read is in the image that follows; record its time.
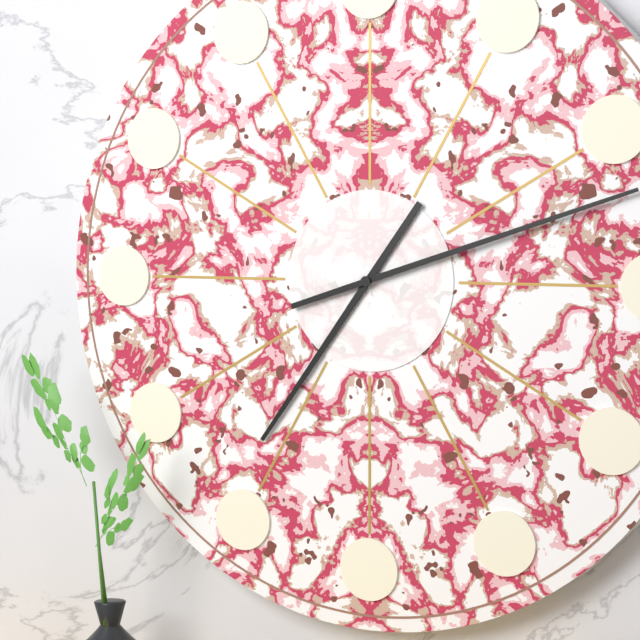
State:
7,12
